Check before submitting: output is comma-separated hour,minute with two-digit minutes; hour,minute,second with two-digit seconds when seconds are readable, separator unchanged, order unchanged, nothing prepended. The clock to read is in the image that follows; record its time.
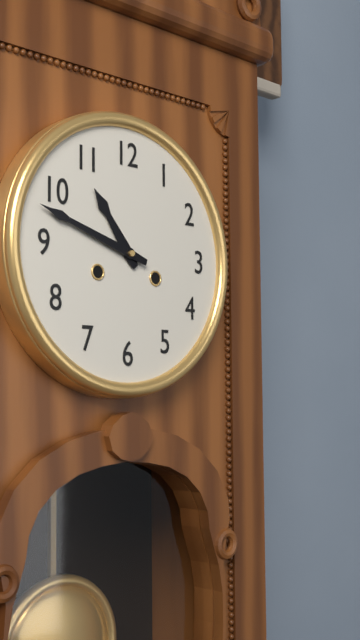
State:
10,48
